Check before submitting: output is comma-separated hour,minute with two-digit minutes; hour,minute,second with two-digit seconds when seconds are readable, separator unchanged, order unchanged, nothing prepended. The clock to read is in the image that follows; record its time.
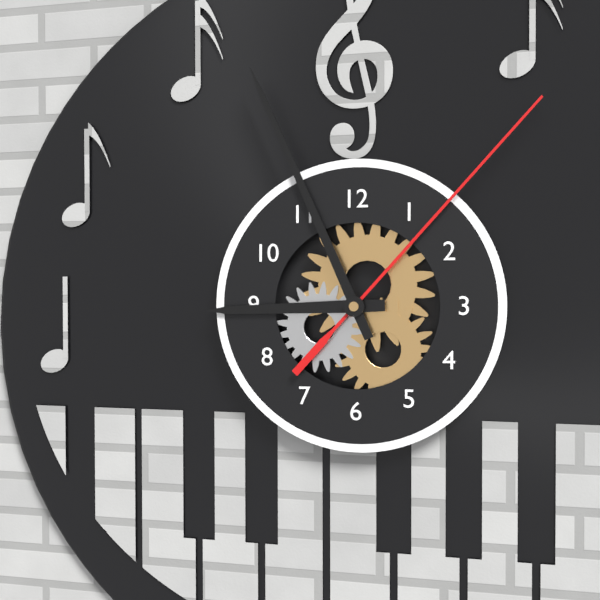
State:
8,56,07
